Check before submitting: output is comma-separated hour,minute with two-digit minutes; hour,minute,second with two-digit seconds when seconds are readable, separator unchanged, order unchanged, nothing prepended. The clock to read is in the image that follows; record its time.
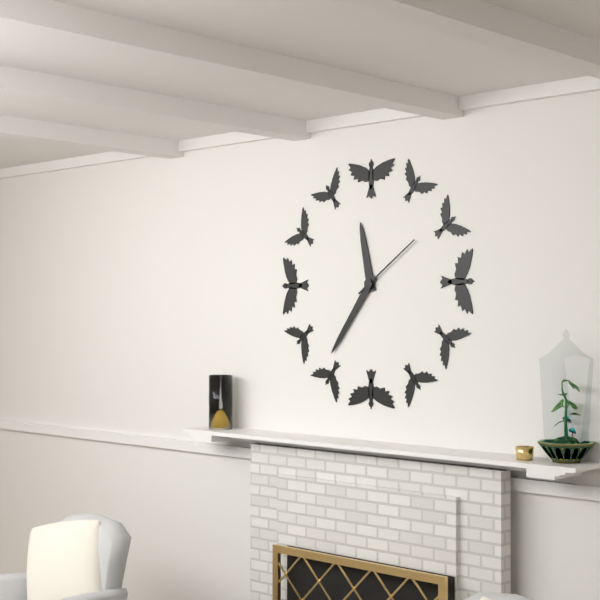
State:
11,36,09
